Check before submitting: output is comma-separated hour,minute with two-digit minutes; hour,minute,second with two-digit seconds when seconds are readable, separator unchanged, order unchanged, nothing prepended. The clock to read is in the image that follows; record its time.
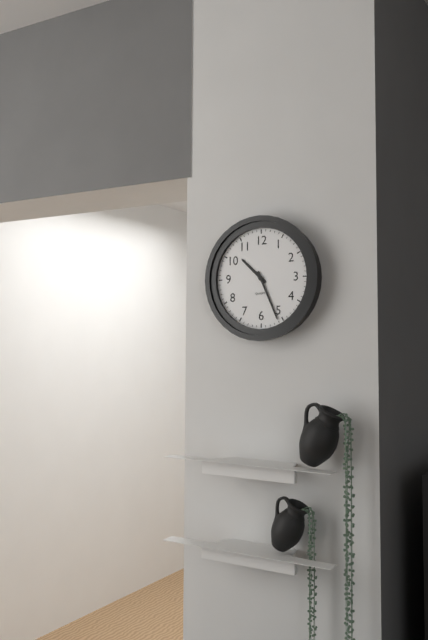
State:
10,26
